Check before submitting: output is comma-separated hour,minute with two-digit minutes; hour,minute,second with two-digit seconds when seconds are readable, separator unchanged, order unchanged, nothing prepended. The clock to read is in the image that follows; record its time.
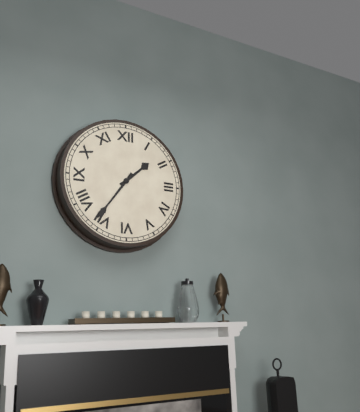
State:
1,36
